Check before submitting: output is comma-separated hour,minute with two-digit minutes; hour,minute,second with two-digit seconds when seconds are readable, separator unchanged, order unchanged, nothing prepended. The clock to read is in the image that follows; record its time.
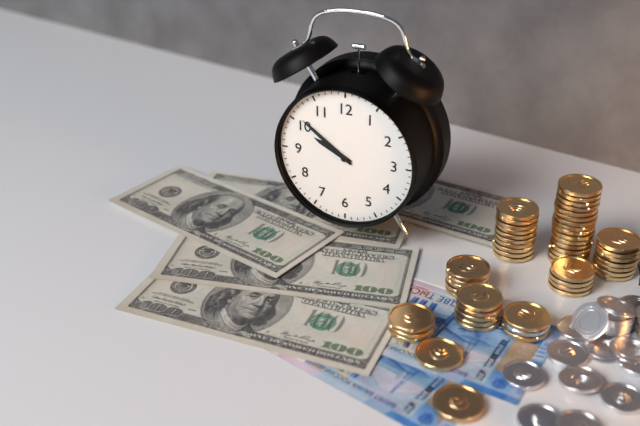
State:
9,51
